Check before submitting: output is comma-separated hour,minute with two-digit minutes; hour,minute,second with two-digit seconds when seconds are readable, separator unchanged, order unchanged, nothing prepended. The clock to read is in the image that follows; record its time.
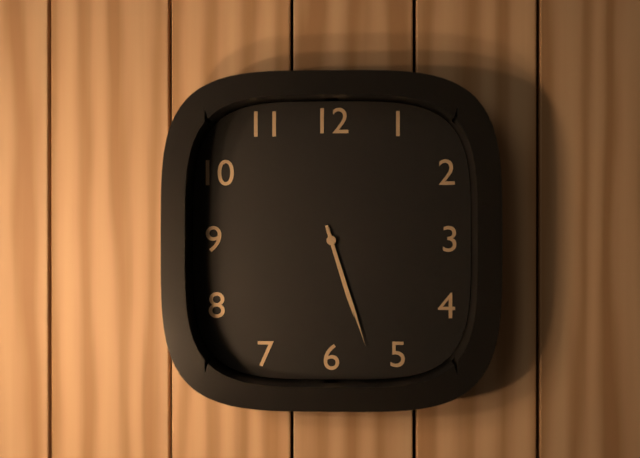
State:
5,27
